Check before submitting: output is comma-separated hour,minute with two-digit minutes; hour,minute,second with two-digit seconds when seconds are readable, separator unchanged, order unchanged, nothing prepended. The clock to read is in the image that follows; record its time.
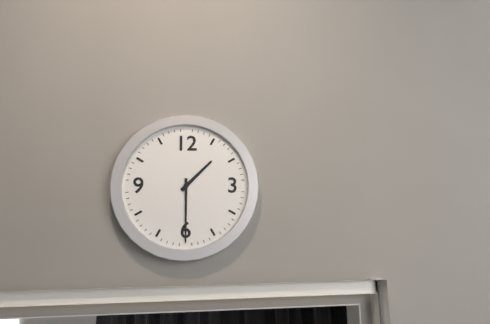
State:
1,30
